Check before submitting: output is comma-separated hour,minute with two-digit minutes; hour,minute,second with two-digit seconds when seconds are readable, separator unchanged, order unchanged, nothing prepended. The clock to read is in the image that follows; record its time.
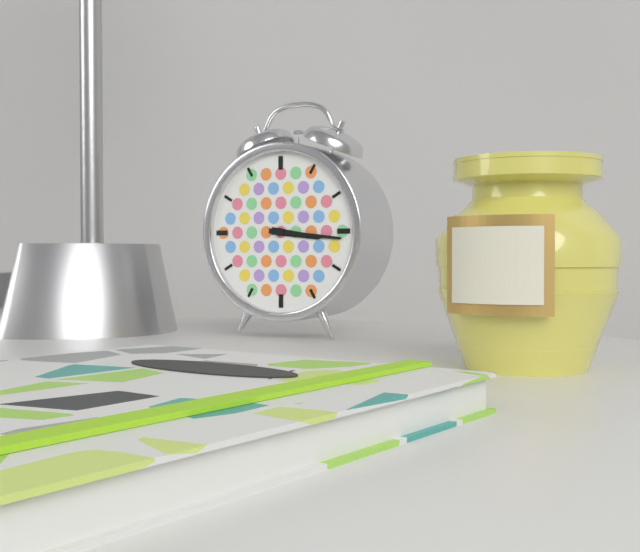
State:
3,16
